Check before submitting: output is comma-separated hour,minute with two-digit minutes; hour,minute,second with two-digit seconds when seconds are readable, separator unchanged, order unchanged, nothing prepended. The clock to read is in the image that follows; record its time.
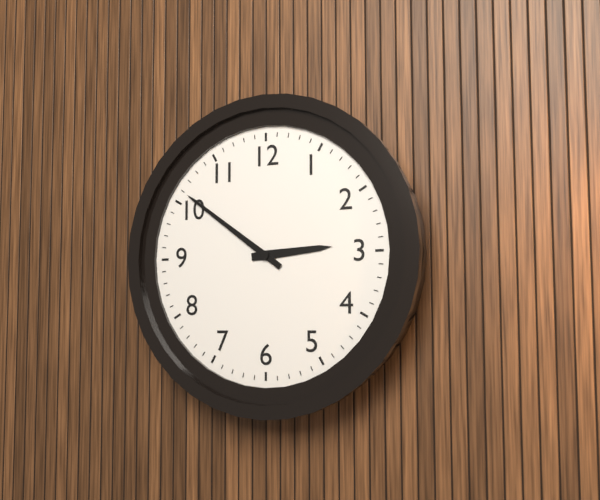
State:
2,51
